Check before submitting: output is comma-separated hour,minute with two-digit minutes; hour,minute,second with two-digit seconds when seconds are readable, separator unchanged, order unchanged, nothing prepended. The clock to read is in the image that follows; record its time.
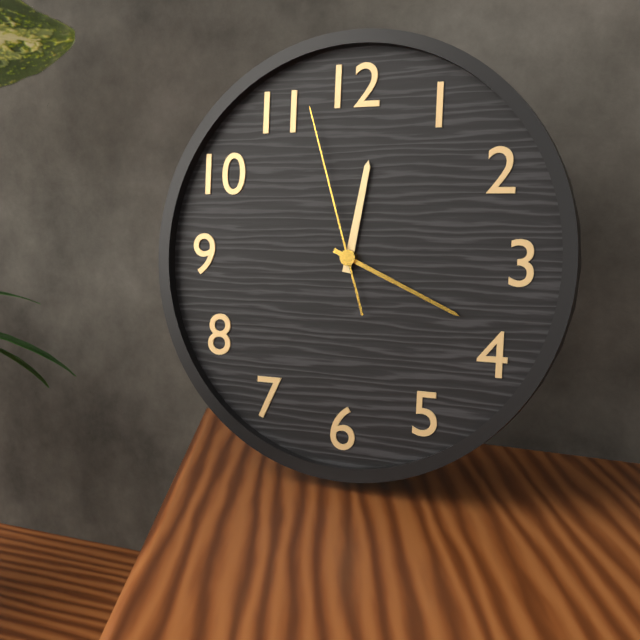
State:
12,19,57
